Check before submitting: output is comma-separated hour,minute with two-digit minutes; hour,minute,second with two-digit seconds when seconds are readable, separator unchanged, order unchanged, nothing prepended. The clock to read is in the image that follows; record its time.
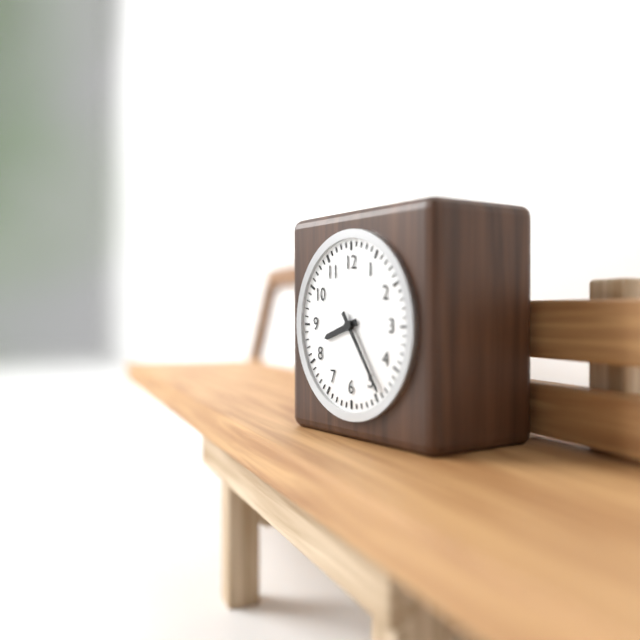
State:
8,24
